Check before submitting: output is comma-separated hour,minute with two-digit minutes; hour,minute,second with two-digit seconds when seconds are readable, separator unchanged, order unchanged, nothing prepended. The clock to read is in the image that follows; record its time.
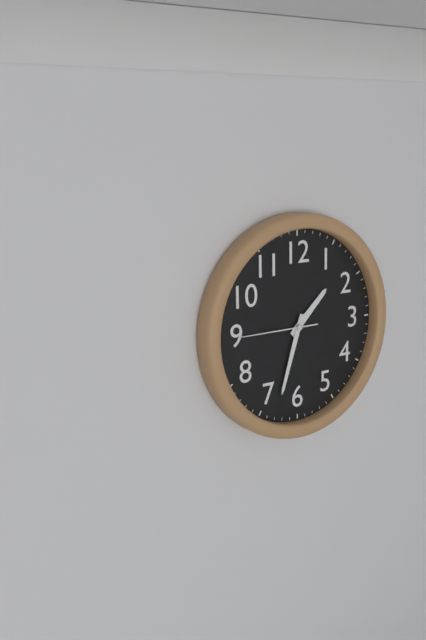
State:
1,33,45
